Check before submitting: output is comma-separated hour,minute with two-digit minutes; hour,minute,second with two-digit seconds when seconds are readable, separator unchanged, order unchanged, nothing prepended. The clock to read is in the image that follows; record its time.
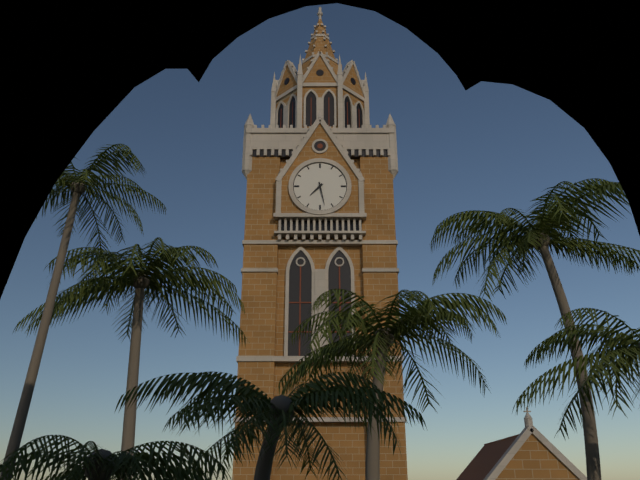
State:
7,28
